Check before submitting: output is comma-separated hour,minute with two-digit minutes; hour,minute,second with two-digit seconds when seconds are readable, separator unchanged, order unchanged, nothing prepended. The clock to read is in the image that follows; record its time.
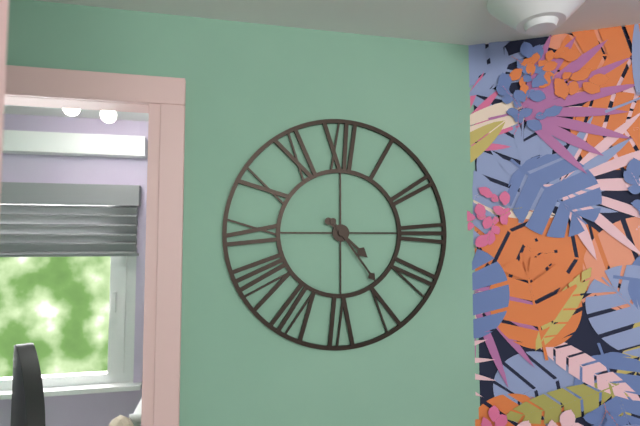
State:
4,24
